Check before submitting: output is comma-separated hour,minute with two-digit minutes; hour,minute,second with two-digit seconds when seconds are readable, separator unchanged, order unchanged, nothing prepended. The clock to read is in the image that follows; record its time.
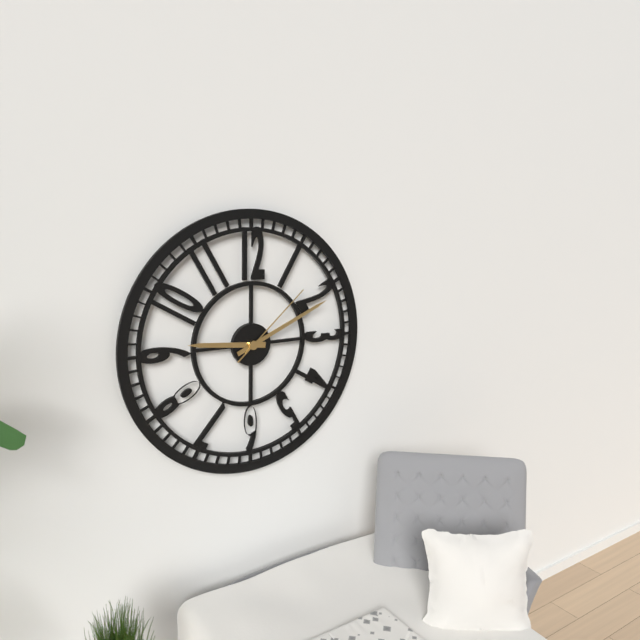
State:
9,11,08
